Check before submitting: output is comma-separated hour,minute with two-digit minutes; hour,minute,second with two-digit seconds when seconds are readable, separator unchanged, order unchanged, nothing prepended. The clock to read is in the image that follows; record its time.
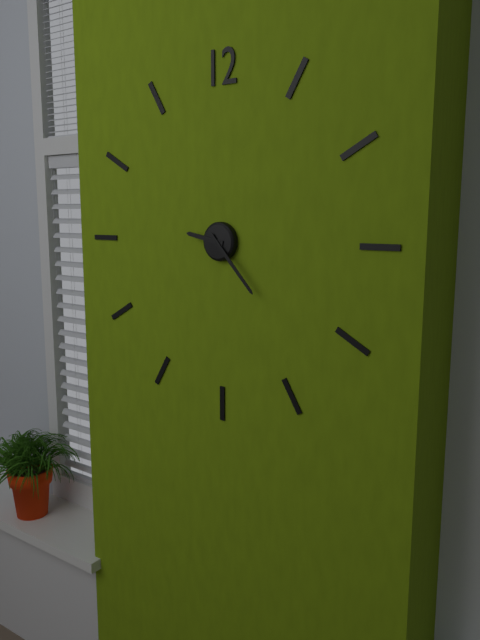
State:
9,23
